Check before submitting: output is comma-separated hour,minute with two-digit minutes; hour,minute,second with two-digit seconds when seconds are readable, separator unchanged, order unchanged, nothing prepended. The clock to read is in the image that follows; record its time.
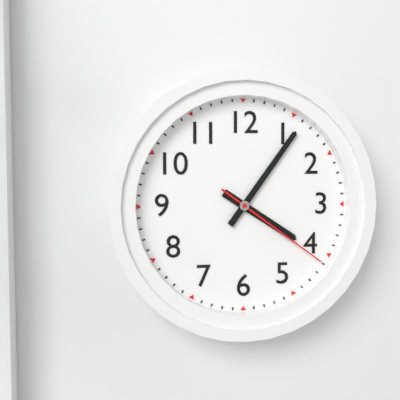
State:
4,06,21
